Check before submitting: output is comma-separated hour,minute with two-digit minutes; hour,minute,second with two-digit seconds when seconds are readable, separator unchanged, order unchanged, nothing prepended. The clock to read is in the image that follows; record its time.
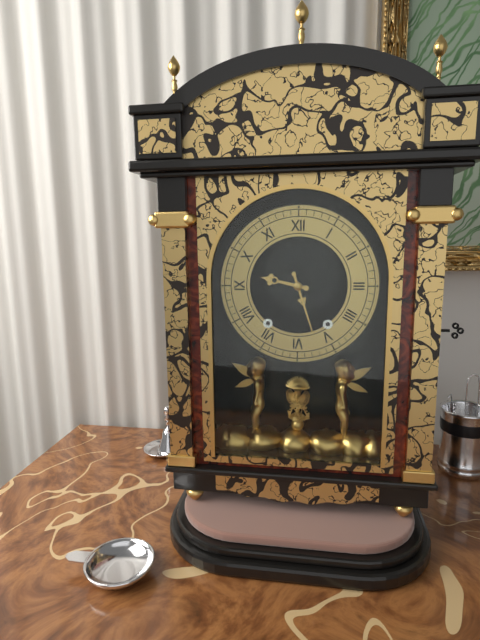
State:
9,27
